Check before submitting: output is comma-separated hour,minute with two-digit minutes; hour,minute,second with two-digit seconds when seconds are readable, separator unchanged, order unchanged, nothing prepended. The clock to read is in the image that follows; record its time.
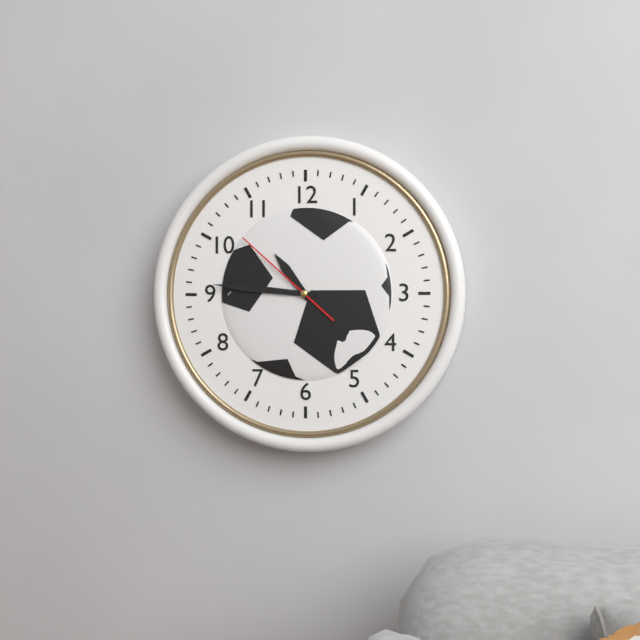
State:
10,46,52
